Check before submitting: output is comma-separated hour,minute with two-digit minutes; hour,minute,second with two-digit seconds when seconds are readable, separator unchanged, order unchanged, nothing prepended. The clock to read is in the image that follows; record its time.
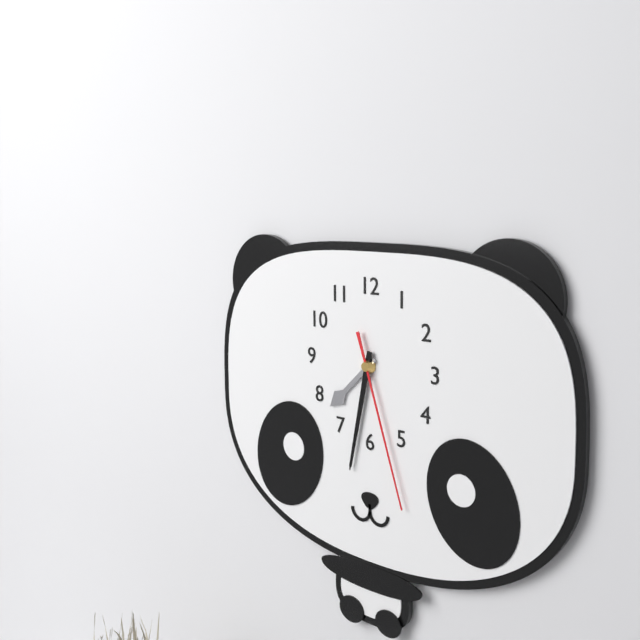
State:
7,32,27
